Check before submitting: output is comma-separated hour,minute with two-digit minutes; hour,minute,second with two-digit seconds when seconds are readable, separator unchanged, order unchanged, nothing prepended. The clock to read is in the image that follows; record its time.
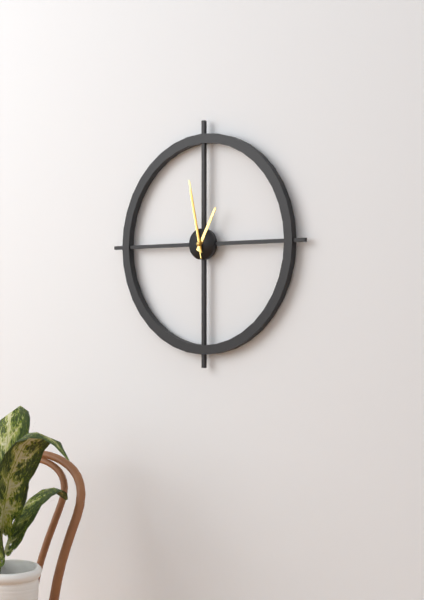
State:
12,58,58
